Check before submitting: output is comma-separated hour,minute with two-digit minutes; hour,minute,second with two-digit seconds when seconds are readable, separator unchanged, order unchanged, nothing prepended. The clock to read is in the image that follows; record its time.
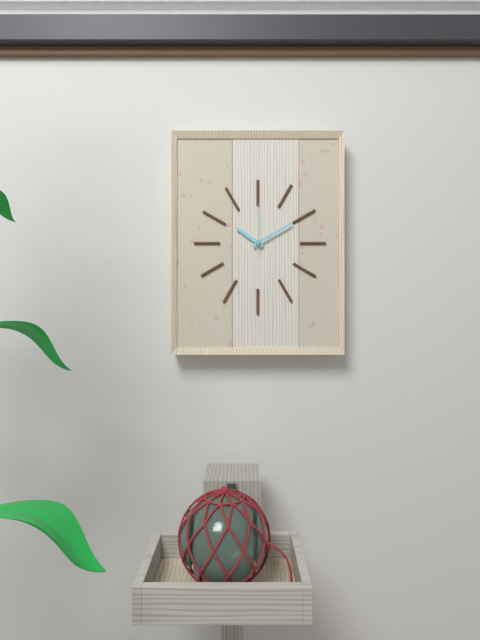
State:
10,10,00
